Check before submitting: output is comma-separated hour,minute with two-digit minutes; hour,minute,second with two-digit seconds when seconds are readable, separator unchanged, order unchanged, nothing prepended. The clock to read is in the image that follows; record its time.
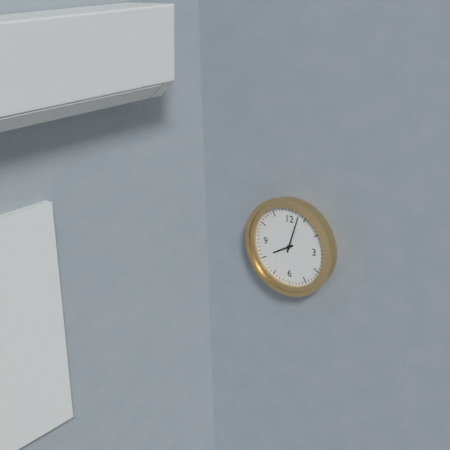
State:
8,03
